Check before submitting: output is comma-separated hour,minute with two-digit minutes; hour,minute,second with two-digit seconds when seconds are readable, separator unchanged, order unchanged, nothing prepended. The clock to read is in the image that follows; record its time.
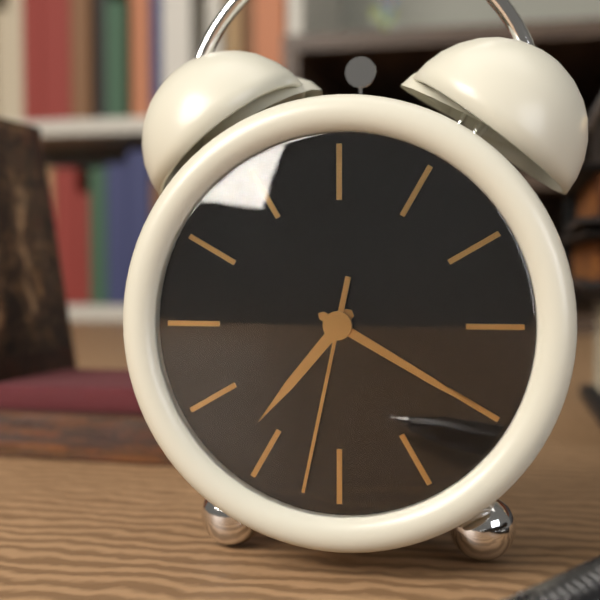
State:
7,20,32
